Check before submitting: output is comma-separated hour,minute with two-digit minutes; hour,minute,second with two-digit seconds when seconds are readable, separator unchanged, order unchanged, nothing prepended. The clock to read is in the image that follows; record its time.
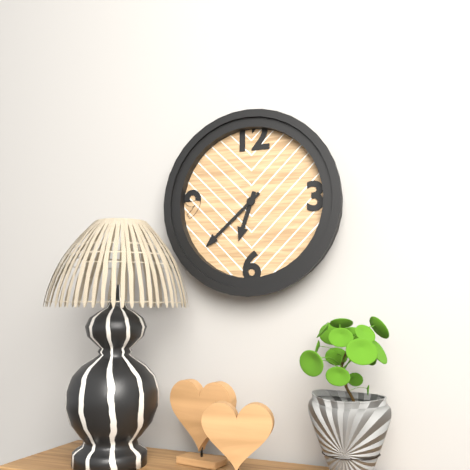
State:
6,38
